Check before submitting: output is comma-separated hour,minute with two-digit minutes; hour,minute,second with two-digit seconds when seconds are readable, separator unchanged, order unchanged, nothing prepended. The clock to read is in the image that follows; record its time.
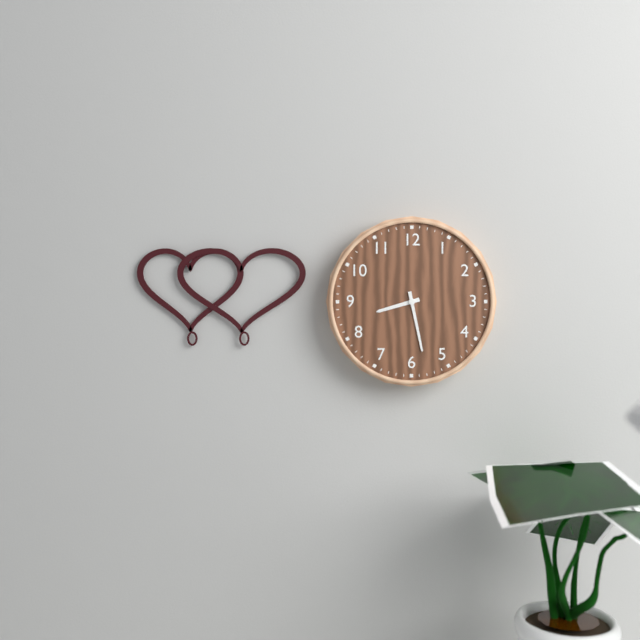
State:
8,28
